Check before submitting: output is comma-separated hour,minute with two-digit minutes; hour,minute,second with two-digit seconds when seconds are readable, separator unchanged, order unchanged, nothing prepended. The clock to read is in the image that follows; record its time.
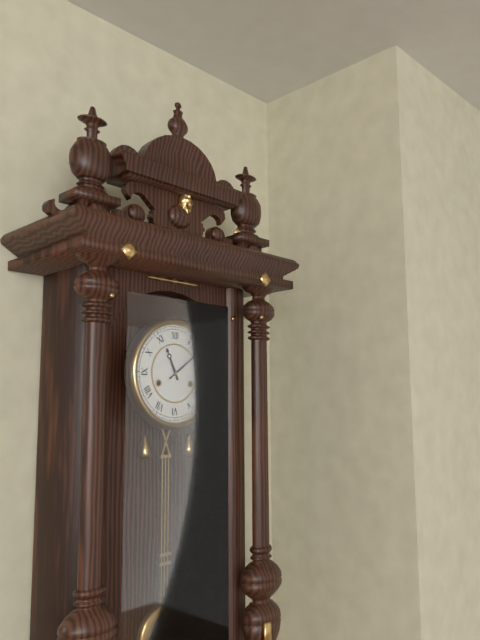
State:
11,09
